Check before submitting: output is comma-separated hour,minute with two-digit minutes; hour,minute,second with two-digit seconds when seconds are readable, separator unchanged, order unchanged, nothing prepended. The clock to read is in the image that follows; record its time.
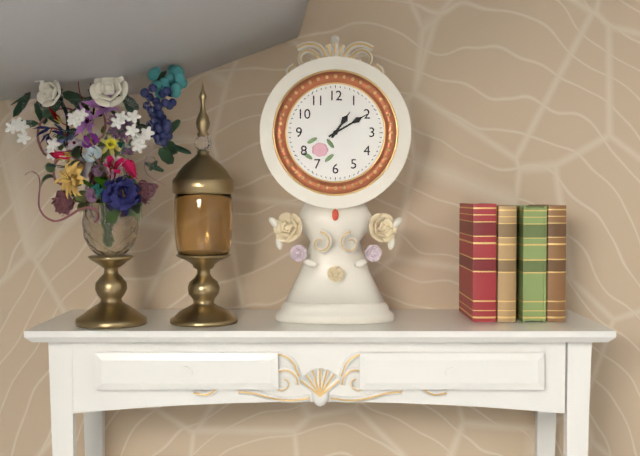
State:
1,10
